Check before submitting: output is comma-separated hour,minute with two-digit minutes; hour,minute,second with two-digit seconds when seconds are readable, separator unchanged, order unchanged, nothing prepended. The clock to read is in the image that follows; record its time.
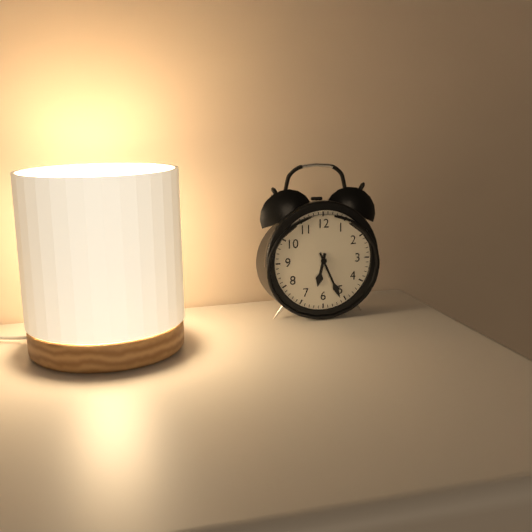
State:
6,26
